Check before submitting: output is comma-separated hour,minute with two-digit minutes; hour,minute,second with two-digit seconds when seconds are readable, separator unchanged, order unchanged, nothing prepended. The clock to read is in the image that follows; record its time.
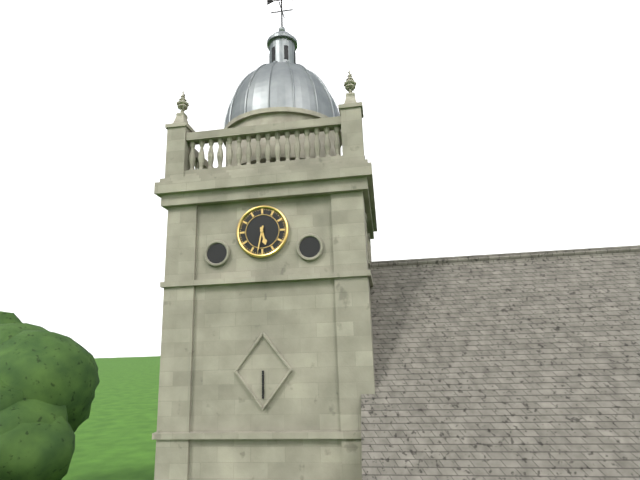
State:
5,32
